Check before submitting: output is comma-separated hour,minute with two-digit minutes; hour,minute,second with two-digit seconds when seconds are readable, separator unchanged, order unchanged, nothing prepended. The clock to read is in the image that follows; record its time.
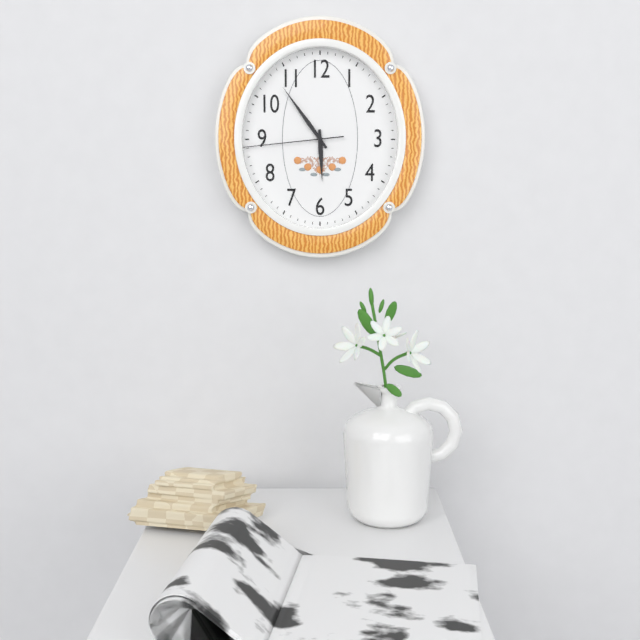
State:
5,54,44
